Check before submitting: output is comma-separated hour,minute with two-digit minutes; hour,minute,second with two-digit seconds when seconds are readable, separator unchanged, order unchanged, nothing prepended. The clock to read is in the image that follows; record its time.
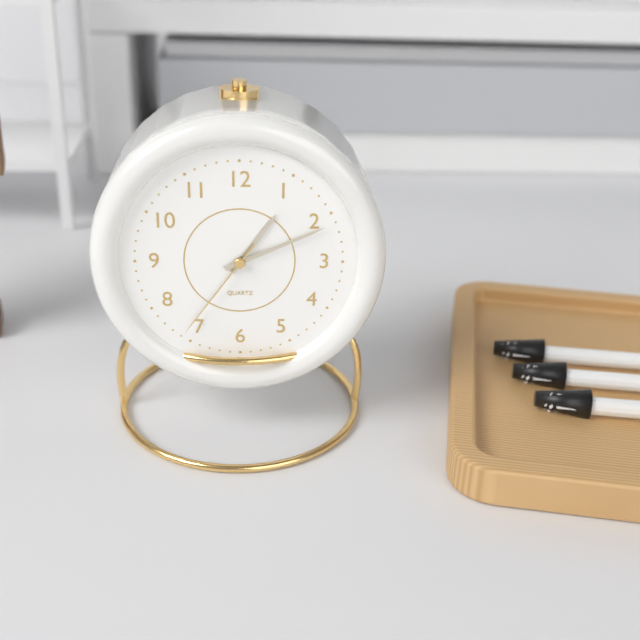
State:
1,11,36
